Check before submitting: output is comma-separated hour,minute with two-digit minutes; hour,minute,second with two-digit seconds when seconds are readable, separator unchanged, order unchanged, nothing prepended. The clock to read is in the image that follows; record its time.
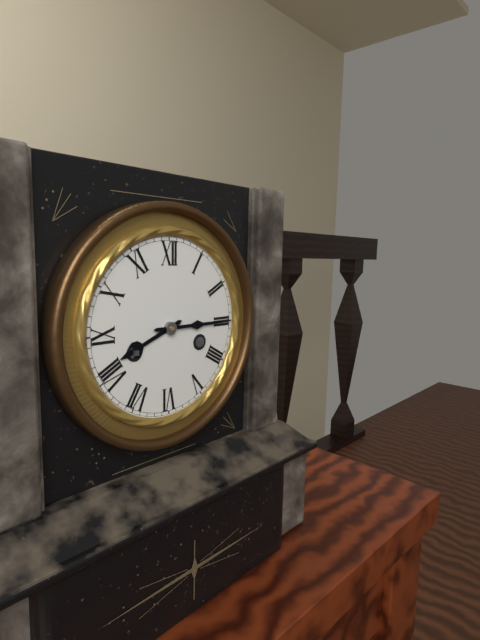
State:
8,15
